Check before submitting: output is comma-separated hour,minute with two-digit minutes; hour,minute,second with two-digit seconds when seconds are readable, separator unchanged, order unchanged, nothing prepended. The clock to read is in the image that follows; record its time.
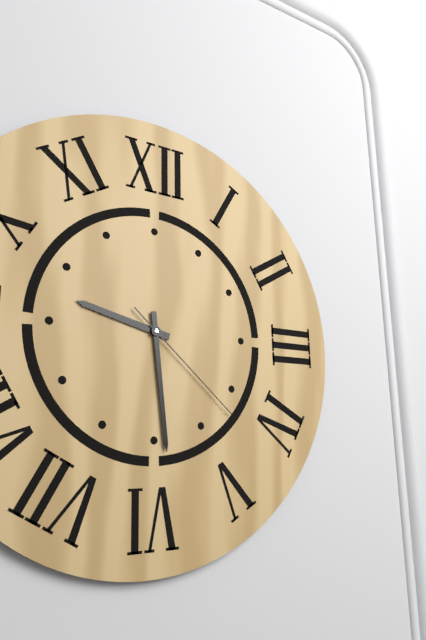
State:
9,29,22
